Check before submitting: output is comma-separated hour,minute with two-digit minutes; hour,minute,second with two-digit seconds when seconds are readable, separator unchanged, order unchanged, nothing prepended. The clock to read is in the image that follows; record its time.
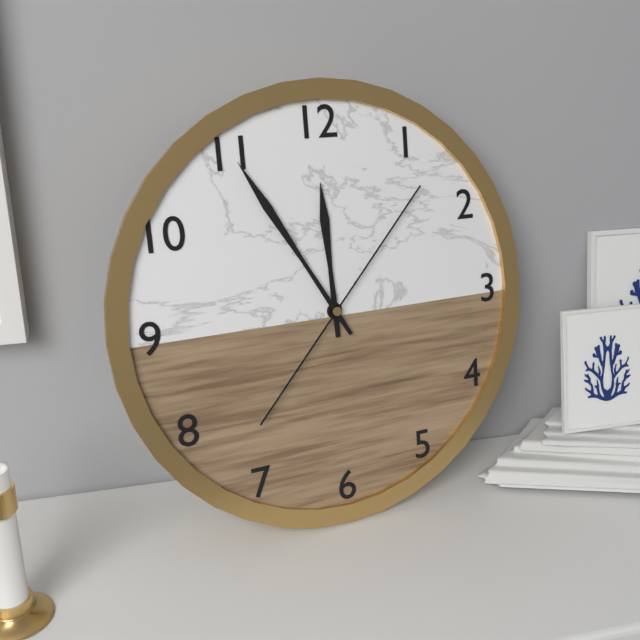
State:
11,55,07
